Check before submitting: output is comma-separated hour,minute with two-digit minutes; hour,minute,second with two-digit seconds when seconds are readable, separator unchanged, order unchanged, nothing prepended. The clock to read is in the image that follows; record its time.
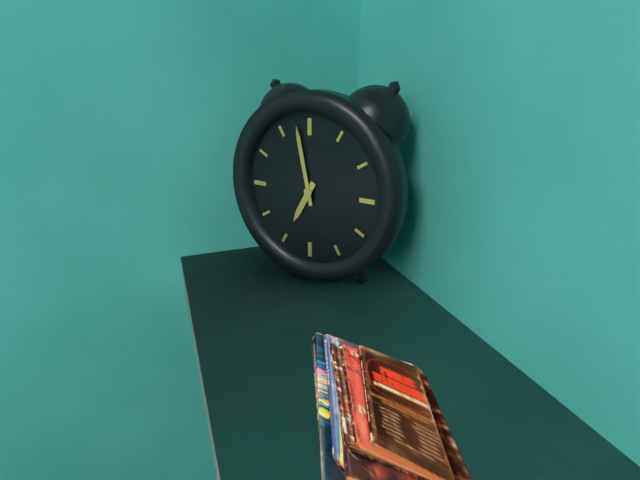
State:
6,58
